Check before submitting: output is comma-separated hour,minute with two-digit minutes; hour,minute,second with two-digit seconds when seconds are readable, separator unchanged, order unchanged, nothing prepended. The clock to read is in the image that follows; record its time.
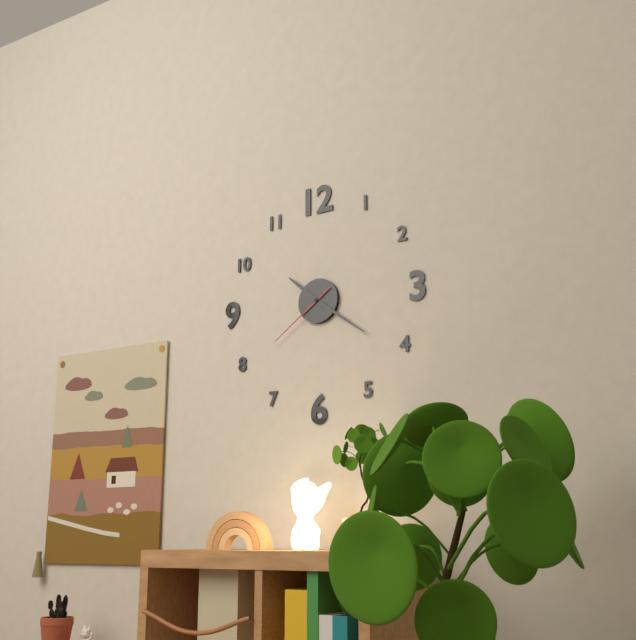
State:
10,21,39
